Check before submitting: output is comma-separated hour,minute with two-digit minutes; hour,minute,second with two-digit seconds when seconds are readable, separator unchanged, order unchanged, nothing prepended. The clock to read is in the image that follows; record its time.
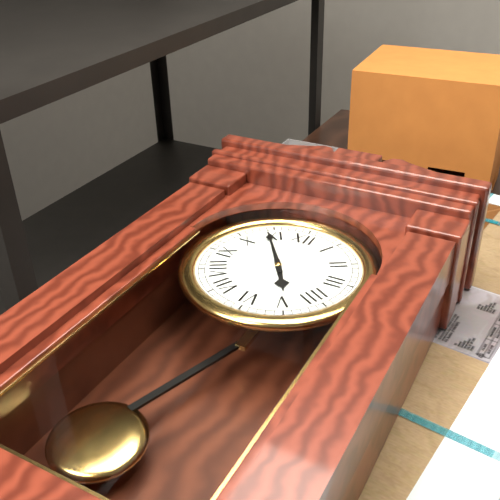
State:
4,54
